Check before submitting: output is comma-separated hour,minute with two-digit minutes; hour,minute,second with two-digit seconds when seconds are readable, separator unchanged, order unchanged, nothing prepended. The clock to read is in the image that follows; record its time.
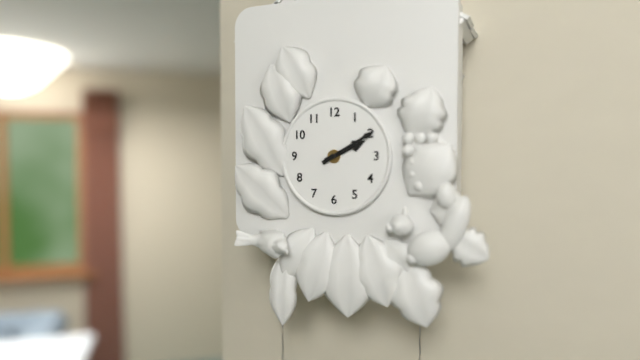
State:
2,10
